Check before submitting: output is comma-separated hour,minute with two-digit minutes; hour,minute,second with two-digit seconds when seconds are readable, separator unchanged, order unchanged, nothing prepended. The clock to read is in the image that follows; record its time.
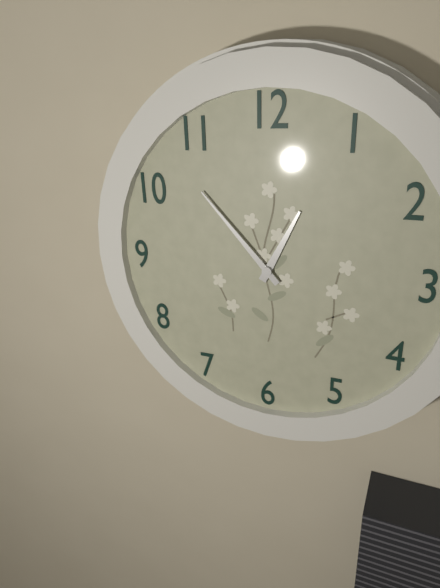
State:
12,53
